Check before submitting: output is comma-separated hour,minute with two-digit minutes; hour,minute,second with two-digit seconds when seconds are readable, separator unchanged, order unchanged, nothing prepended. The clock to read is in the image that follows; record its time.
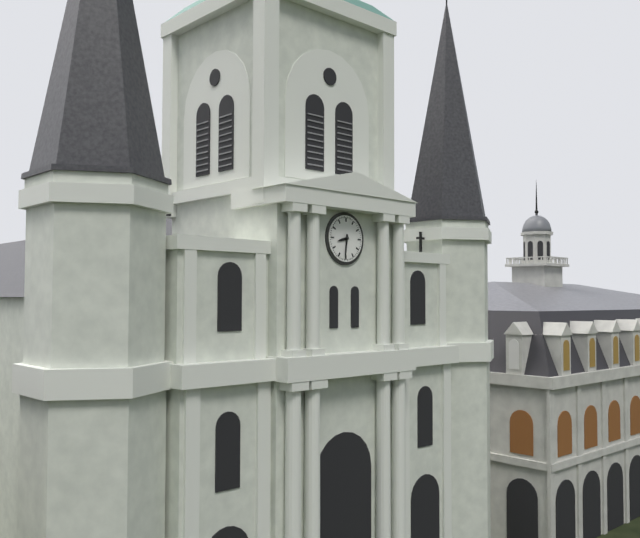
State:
8,31
